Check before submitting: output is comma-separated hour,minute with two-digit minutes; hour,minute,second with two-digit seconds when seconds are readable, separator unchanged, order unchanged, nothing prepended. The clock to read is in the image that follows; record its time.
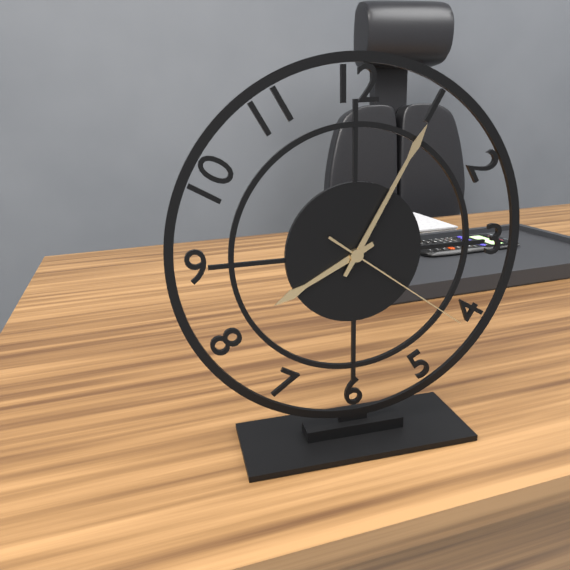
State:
8,05,21
